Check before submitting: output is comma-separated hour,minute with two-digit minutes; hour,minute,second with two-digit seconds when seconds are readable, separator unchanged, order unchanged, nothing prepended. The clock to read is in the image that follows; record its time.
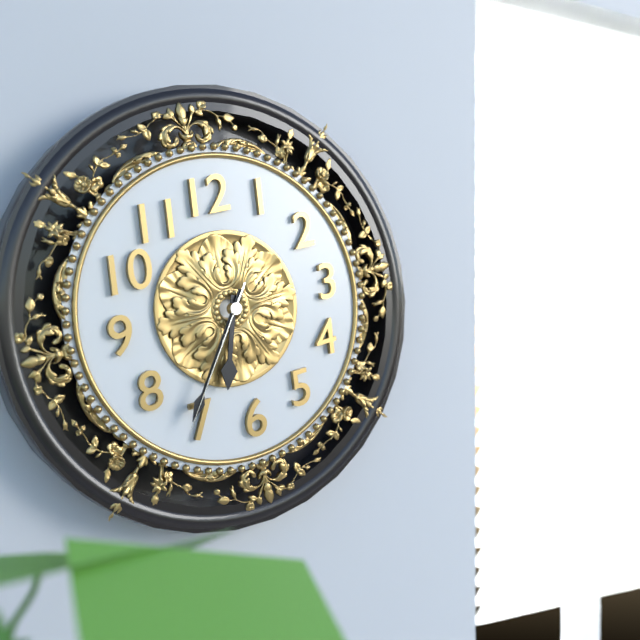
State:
6,36,36
